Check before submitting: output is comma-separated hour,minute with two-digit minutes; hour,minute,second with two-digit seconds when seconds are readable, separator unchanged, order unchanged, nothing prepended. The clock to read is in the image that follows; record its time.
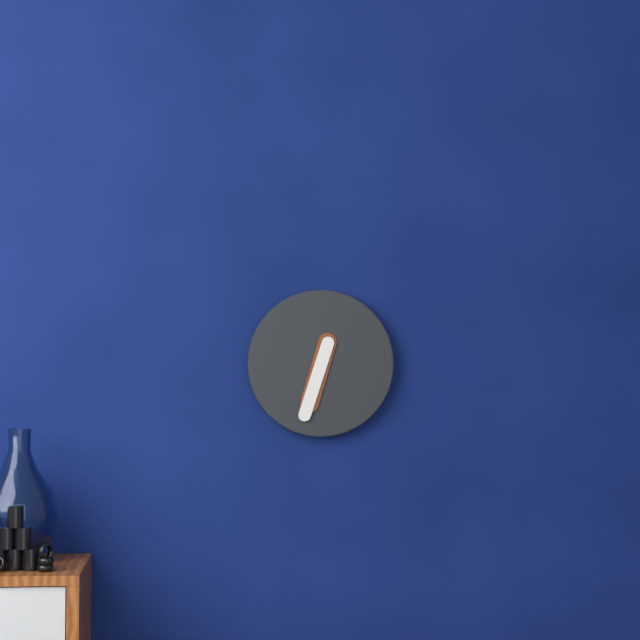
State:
6,33
